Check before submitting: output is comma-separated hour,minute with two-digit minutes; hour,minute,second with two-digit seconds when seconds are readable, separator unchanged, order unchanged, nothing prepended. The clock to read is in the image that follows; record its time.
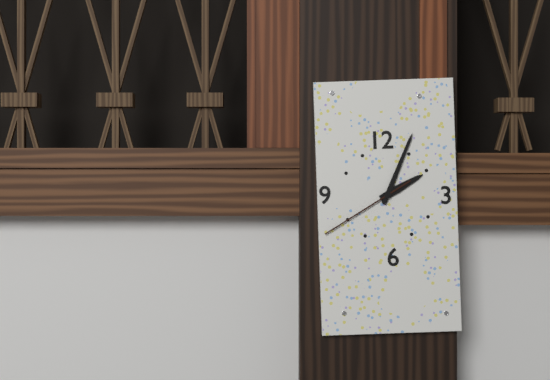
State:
2,04,40
